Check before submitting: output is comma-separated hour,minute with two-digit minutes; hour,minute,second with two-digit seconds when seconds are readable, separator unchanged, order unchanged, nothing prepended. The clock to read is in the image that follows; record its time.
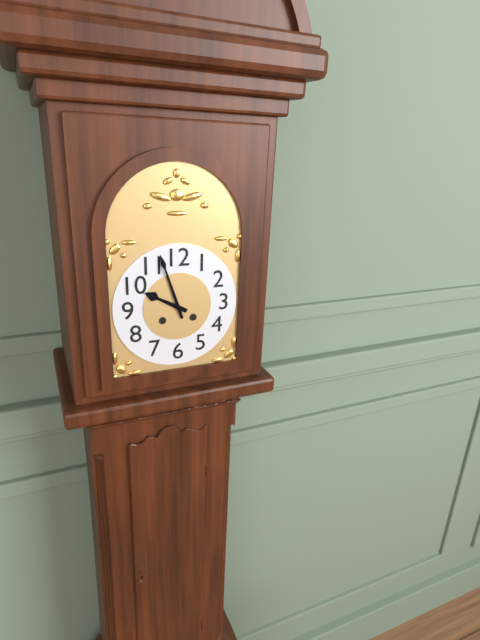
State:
9,57
